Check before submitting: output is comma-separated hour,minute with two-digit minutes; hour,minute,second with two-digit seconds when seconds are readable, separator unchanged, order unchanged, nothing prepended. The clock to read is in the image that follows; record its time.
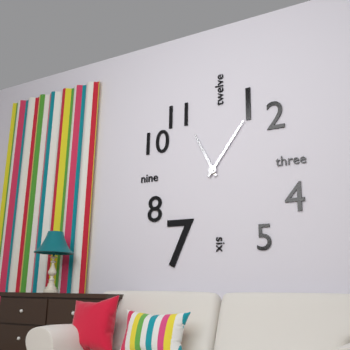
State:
11,06
